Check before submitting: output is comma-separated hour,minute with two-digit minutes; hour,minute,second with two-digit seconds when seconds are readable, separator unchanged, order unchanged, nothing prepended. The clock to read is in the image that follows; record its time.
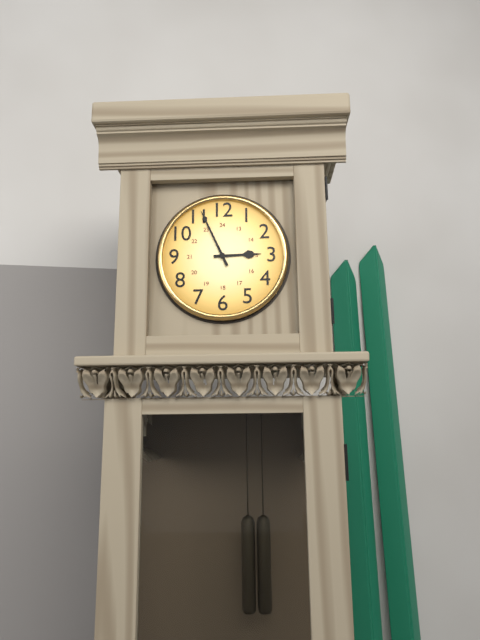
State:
2,56
